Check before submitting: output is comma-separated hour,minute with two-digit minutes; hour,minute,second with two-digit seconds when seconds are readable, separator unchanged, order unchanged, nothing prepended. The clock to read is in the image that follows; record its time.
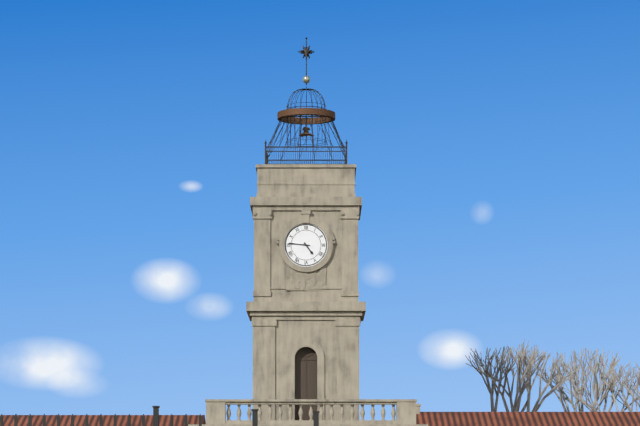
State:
4,46
